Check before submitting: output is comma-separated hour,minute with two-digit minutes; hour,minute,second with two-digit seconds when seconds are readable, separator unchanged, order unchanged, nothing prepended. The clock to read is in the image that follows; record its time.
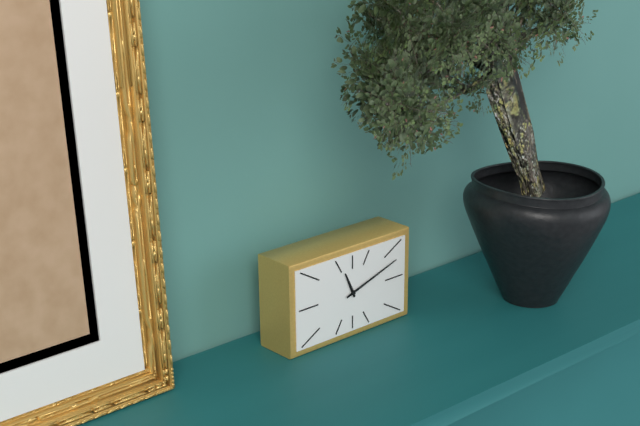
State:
11,12
